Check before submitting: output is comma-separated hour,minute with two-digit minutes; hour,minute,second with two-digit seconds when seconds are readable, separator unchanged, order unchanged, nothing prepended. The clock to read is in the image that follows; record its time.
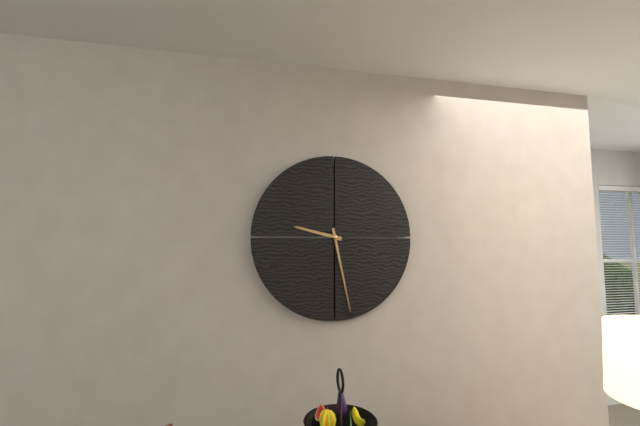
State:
9,28
